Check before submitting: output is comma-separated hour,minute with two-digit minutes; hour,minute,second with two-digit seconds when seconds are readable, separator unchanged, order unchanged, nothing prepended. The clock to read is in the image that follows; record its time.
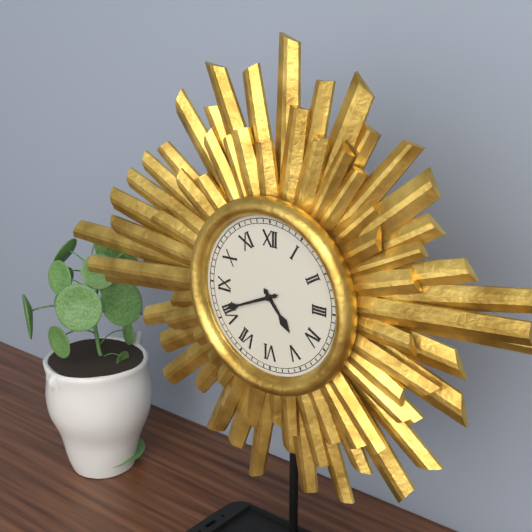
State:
4,41
